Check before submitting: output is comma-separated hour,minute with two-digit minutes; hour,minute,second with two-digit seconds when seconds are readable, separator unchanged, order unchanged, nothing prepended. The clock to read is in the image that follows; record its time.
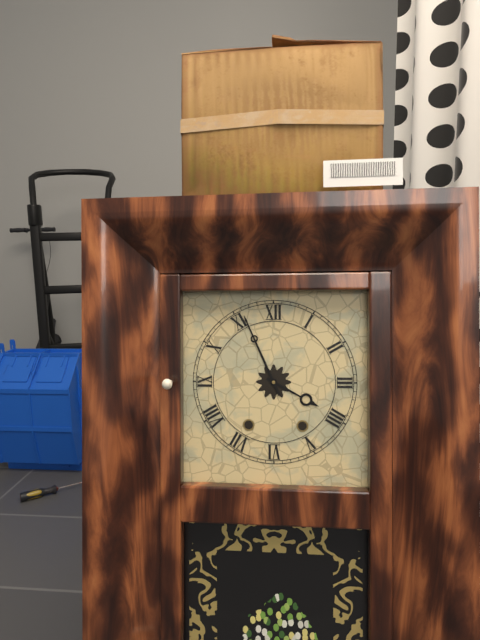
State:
3,56
